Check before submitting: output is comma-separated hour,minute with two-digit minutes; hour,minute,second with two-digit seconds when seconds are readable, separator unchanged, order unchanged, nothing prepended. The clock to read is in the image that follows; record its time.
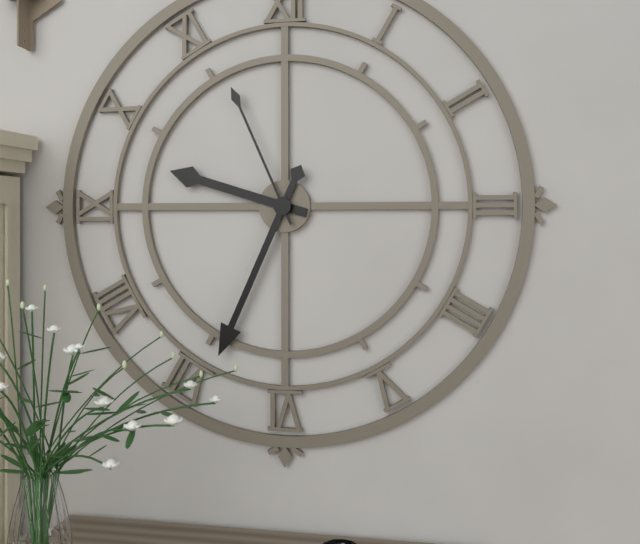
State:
9,34,56
